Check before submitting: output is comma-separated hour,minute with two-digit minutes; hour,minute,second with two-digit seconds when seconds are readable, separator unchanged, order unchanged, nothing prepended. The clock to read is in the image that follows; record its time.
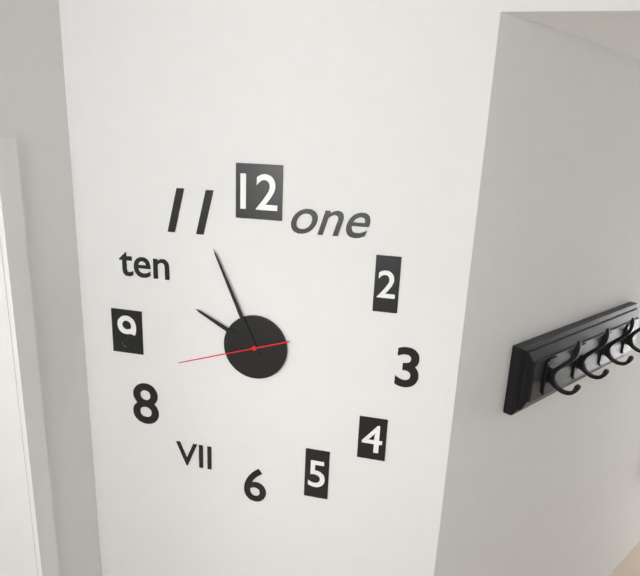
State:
9,56,42
